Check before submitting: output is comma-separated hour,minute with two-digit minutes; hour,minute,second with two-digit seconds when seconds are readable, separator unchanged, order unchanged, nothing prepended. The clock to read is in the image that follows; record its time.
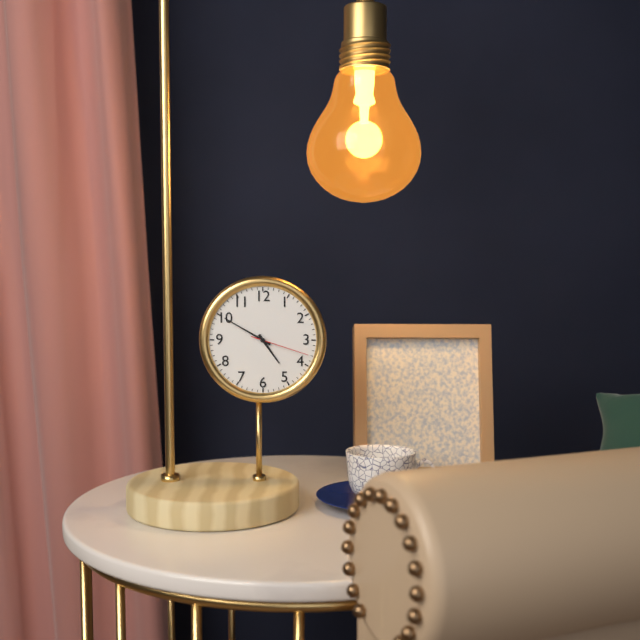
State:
4,50,18
